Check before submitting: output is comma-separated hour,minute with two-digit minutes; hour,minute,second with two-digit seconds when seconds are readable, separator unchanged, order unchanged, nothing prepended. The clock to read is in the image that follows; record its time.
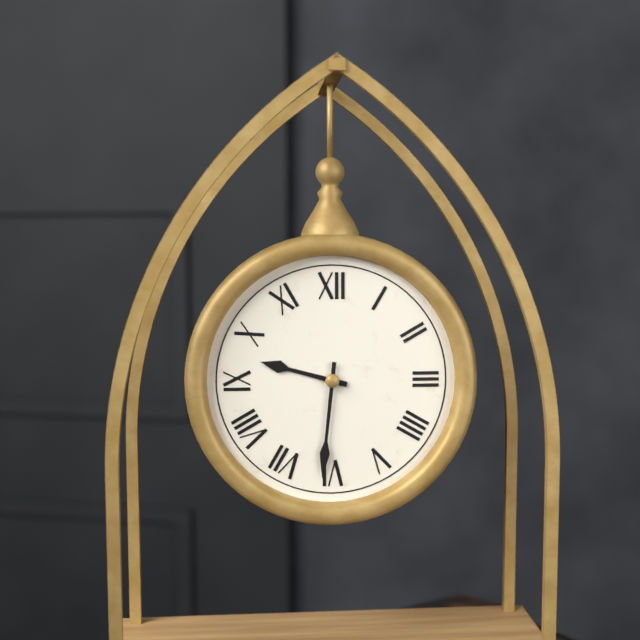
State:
9,31
